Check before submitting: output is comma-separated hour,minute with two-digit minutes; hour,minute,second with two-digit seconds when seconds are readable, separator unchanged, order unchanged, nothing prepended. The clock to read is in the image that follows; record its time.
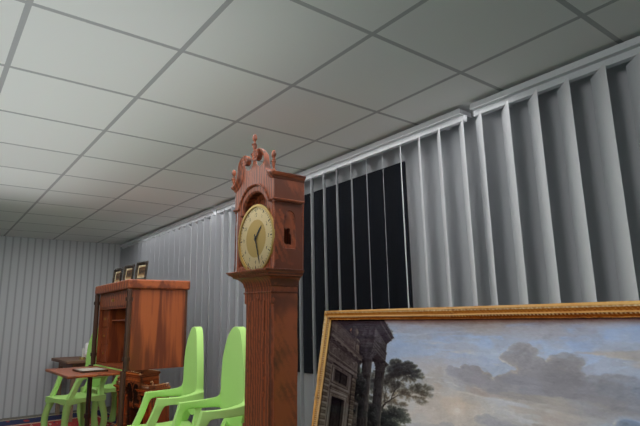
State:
1,27
